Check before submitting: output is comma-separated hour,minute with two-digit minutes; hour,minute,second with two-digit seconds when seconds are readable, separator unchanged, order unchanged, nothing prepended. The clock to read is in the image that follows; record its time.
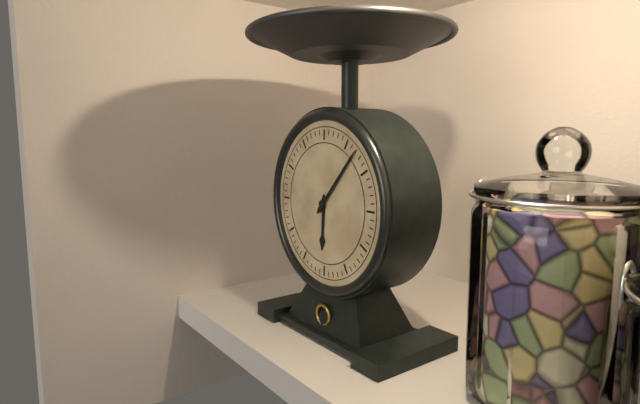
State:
6,07
